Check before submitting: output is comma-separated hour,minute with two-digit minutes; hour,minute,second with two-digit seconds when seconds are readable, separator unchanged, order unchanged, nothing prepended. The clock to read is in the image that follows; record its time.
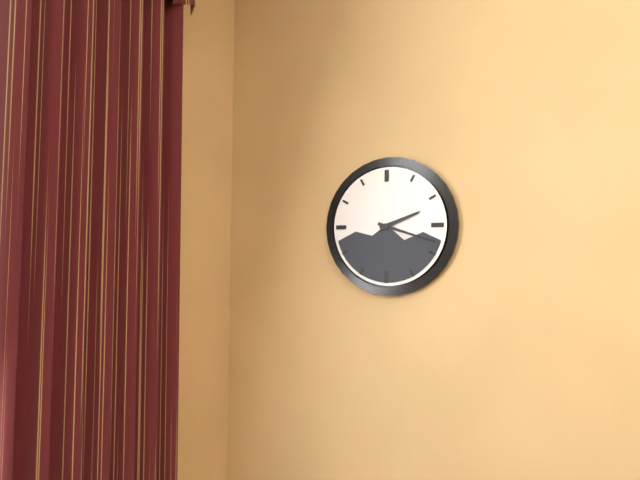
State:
2,18
